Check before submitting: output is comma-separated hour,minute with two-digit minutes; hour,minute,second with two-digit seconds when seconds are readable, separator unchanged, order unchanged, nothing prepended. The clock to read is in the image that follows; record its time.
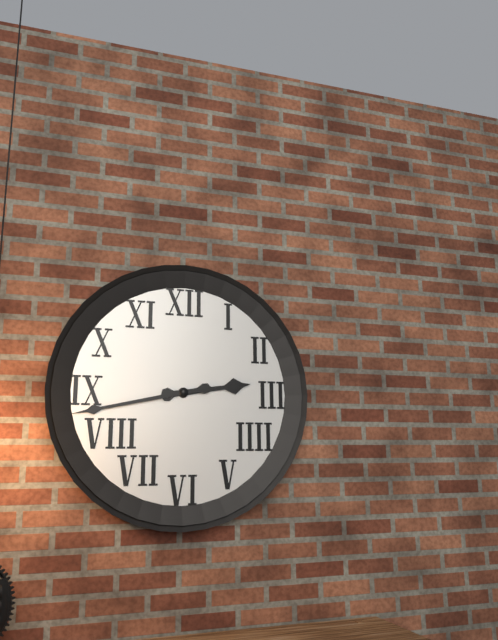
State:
2,43
